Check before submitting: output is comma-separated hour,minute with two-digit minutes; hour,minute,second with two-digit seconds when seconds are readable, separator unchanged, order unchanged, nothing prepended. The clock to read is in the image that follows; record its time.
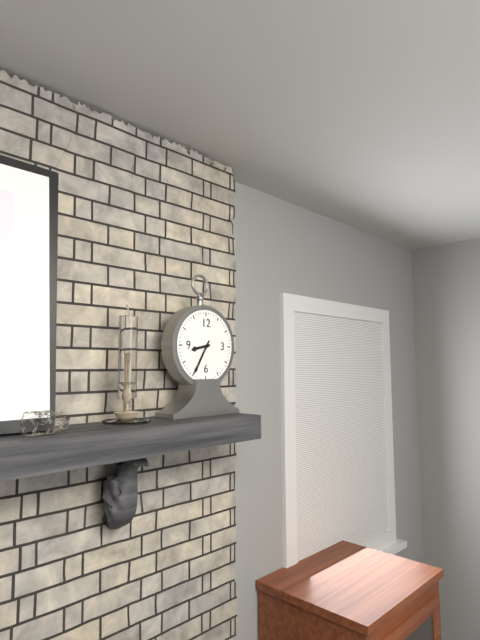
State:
8,35
